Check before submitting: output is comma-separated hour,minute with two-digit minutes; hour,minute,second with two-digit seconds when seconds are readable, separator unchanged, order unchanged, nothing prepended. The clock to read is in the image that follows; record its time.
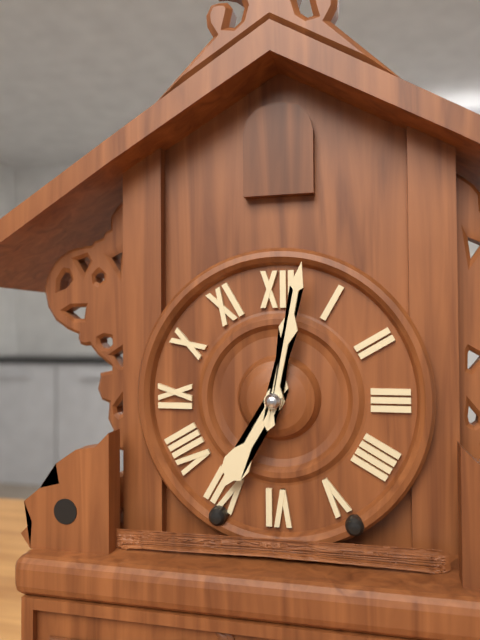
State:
7,02
